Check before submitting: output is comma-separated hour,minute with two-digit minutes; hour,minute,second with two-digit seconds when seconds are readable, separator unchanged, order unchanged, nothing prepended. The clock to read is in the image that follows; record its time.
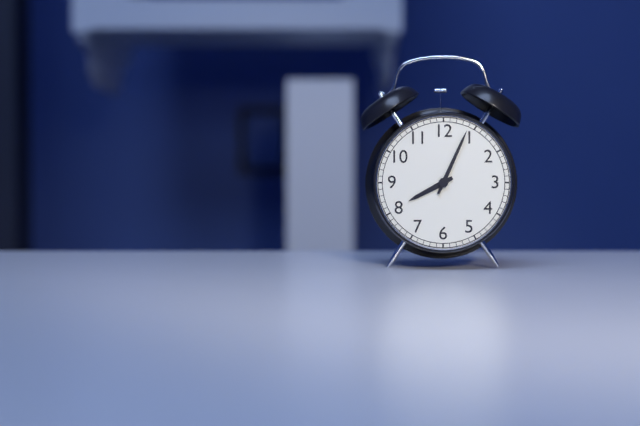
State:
8,04
